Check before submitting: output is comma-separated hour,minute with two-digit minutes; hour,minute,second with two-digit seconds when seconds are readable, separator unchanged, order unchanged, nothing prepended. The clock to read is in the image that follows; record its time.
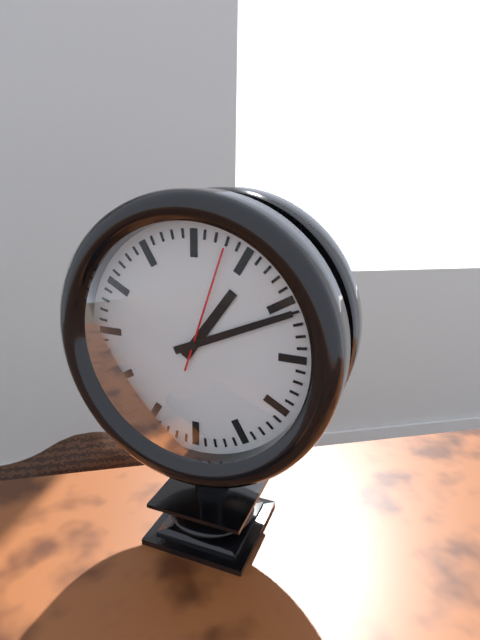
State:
1,11,03
